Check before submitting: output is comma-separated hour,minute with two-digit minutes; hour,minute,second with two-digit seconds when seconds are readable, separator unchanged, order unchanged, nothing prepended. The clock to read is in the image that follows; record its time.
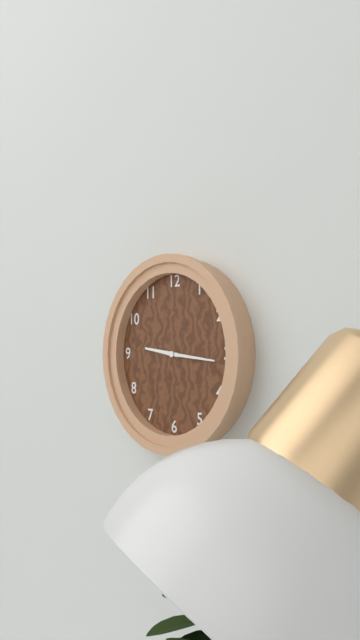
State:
9,16
